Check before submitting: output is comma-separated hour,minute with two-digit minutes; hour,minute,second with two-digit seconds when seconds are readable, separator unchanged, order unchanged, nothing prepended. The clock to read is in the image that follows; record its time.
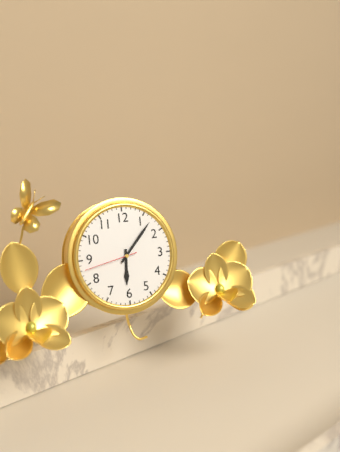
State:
6,07,43
